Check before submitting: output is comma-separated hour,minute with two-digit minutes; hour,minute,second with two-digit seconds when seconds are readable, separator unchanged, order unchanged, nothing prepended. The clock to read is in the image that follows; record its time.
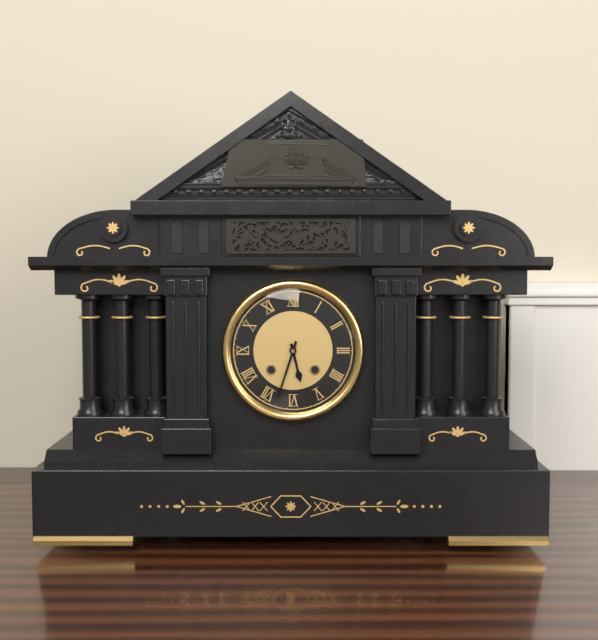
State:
5,33
